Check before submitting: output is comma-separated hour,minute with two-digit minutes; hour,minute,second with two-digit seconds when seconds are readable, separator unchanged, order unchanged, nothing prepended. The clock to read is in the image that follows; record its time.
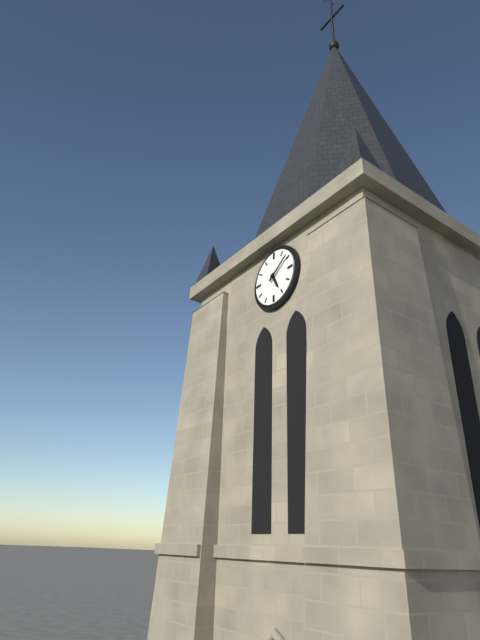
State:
5,09
